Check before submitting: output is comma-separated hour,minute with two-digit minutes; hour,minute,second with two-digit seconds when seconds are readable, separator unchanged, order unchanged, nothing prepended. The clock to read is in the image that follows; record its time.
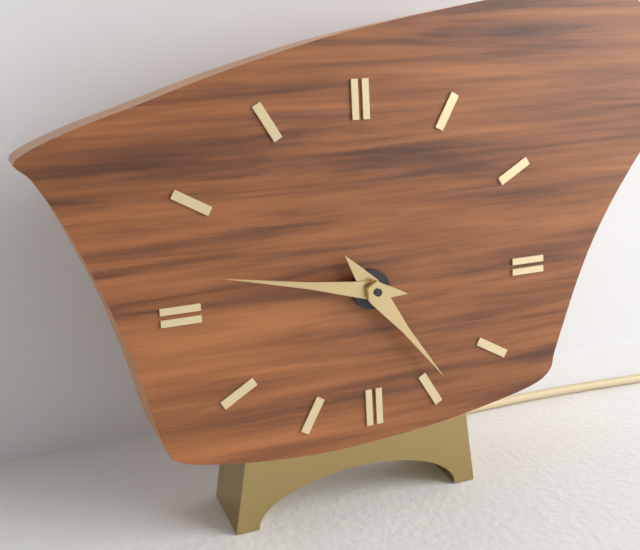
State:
4,47
